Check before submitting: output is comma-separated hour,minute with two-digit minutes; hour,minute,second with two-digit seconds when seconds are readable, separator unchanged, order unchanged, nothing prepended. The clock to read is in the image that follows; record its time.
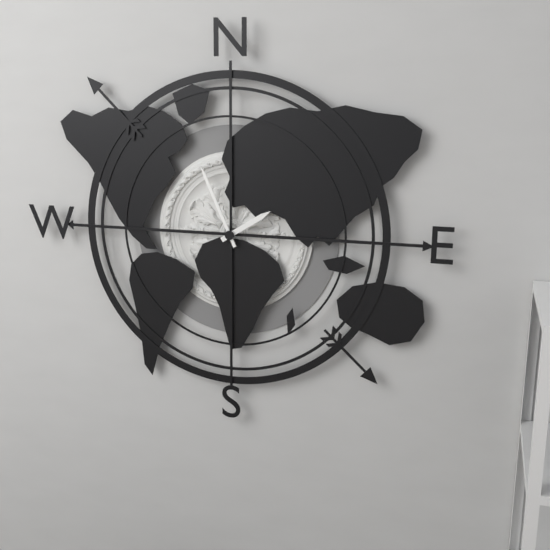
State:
1,56
